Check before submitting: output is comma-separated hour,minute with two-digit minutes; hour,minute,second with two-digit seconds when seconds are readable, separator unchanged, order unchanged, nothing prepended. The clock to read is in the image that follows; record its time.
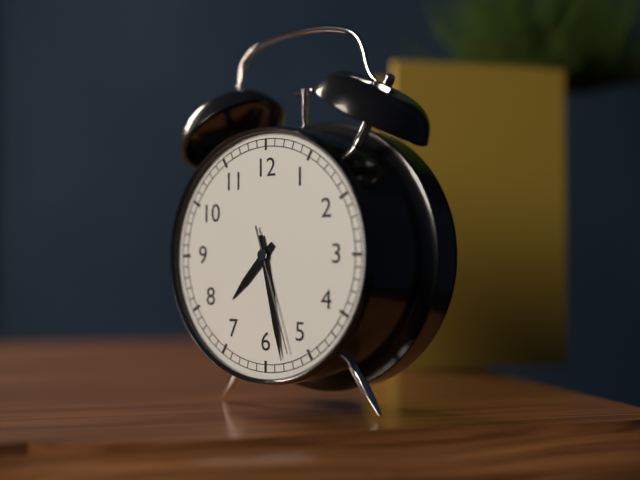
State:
7,28,27
